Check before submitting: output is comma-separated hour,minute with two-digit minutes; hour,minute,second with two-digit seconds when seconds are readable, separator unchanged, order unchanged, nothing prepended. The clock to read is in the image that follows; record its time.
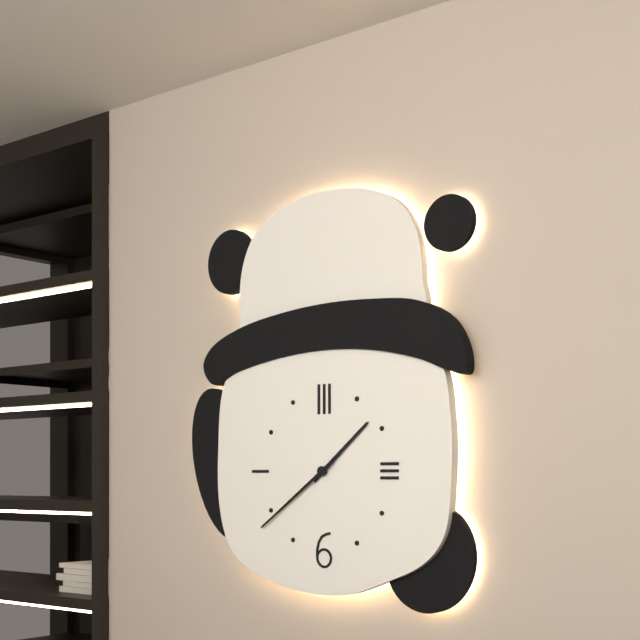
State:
1,39
